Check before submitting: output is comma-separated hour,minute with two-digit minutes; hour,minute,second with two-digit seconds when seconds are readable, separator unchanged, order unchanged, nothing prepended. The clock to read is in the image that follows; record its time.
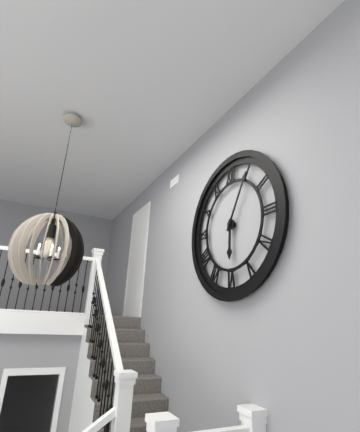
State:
6,05
